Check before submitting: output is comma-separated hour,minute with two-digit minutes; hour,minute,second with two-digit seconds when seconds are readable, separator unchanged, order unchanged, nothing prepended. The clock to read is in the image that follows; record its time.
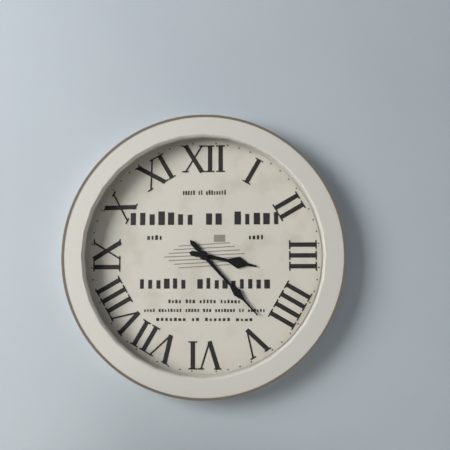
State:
3,23
